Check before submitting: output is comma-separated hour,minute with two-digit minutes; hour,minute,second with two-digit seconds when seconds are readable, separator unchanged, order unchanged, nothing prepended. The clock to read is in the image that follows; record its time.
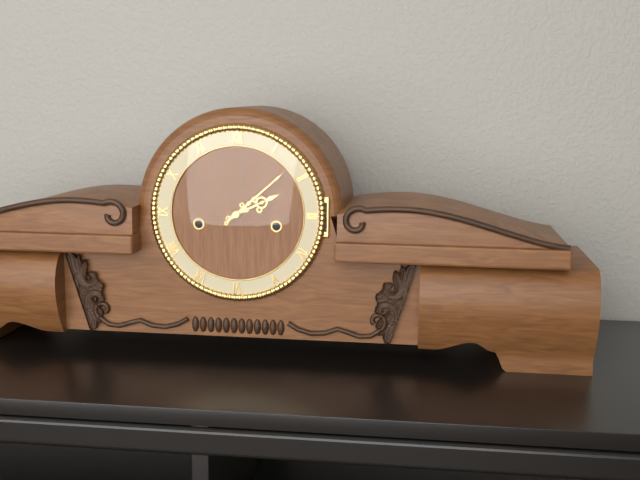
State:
2,08
